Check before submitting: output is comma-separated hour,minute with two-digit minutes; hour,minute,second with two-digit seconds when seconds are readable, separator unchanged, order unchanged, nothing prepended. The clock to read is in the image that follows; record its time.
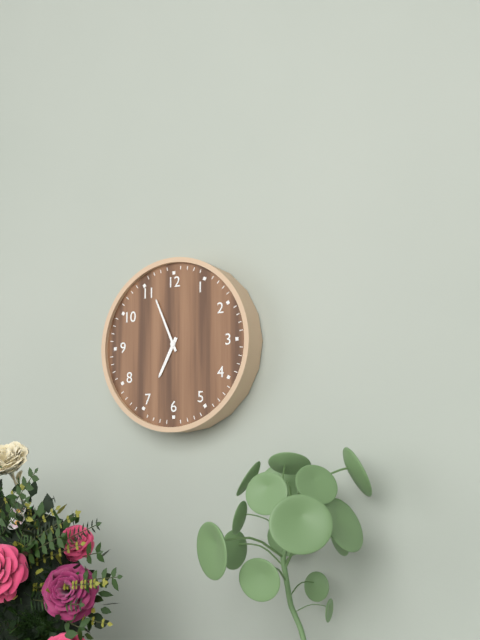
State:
6,56
